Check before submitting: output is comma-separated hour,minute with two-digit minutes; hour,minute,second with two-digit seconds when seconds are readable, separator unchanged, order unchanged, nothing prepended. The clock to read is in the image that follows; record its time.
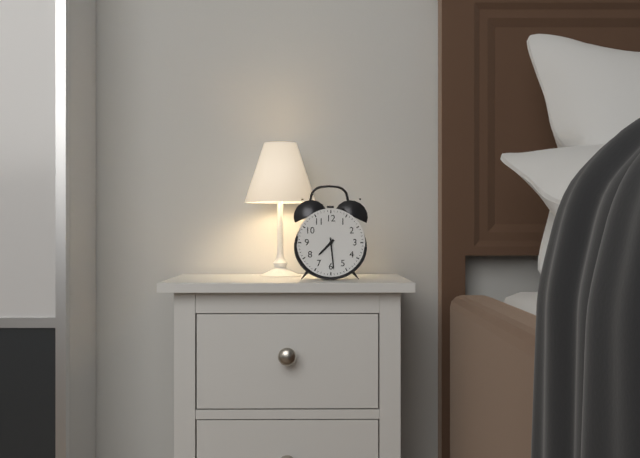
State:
7,29
